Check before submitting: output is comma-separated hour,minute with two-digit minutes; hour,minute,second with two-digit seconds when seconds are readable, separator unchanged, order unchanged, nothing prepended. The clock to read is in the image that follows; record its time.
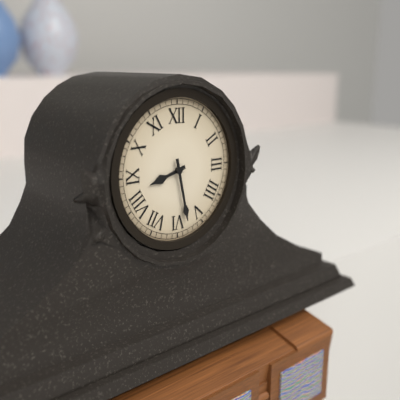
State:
8,28
